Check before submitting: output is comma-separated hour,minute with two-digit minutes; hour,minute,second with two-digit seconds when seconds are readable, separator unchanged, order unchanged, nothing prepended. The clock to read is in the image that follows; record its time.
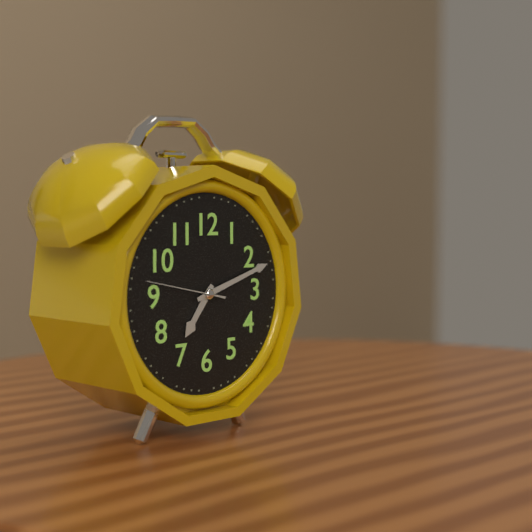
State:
7,12,47
